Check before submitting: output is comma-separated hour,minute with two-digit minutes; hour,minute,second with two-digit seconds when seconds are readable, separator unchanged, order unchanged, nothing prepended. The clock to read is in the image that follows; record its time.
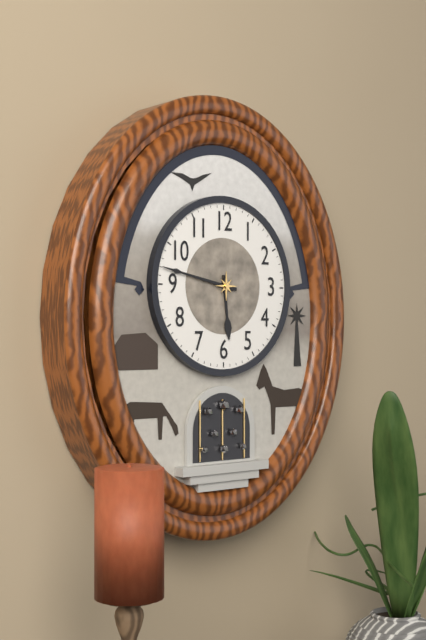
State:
5,47
